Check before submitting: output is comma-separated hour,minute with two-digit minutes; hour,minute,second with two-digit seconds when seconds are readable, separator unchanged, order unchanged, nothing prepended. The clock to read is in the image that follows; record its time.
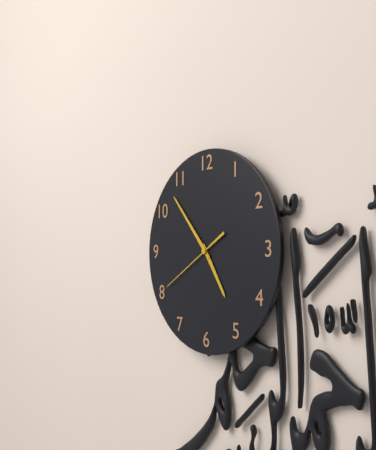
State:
4,53,40
